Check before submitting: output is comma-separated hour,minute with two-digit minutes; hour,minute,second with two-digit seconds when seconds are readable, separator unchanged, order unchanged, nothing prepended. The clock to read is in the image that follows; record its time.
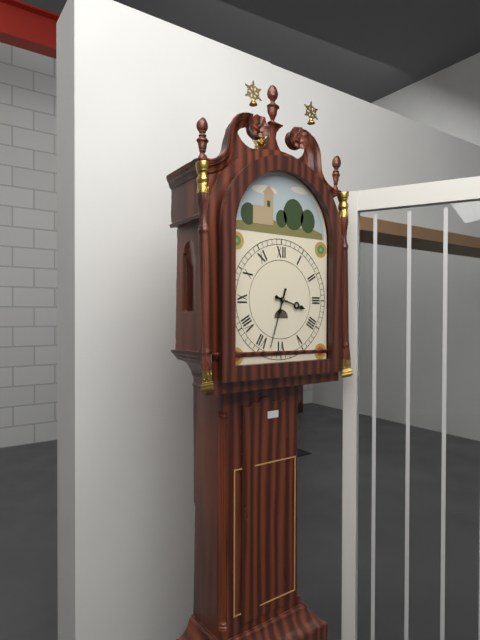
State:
3,33
